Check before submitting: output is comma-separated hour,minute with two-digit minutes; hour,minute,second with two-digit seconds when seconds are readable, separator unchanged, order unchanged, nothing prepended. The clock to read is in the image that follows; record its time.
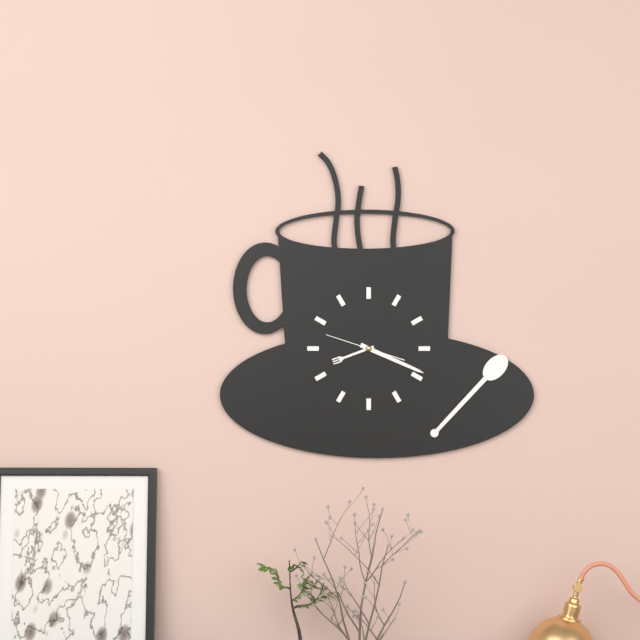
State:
8,19,48
